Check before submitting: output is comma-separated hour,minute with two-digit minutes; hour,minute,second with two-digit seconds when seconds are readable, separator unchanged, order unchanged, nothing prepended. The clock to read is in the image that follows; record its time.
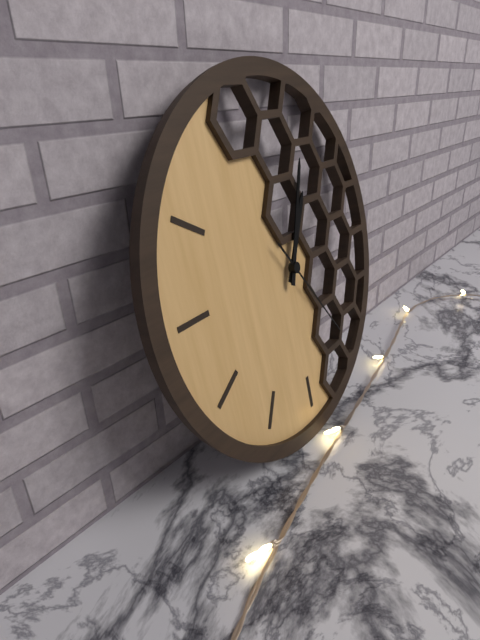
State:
1,04,24
